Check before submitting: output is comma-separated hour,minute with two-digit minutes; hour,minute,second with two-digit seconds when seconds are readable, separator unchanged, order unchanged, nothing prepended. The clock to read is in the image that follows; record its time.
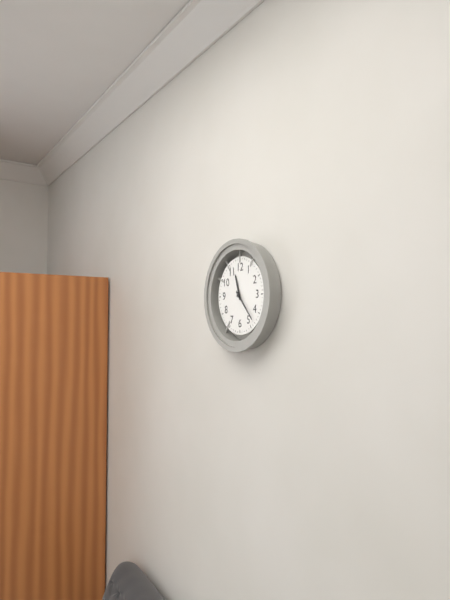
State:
11,23
